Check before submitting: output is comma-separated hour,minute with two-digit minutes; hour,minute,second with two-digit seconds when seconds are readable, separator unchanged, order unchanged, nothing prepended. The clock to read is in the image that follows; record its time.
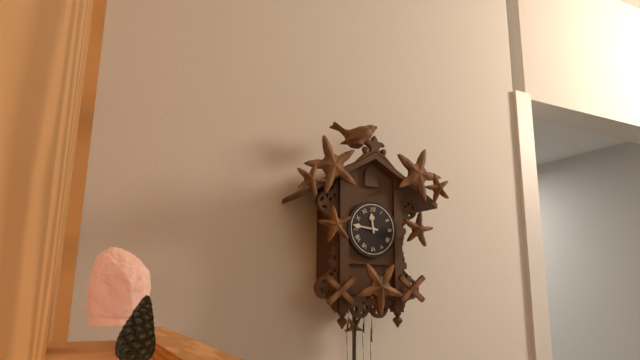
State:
11,46
